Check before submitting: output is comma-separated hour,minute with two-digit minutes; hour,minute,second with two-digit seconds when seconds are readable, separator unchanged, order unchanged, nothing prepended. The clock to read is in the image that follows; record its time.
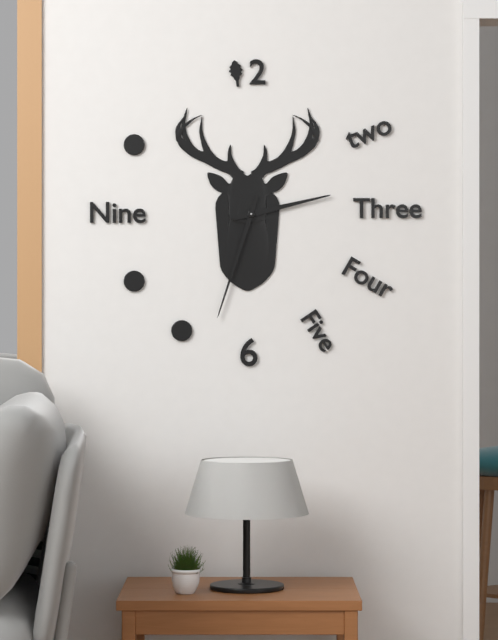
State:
2,33
